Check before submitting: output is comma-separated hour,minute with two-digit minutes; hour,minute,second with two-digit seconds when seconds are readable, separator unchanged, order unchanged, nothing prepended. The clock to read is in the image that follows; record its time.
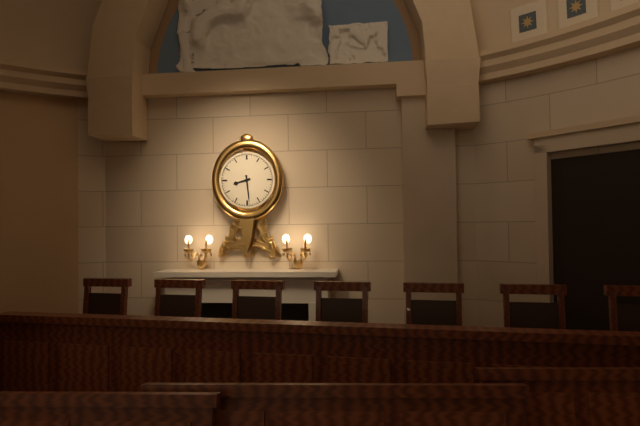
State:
8,29
